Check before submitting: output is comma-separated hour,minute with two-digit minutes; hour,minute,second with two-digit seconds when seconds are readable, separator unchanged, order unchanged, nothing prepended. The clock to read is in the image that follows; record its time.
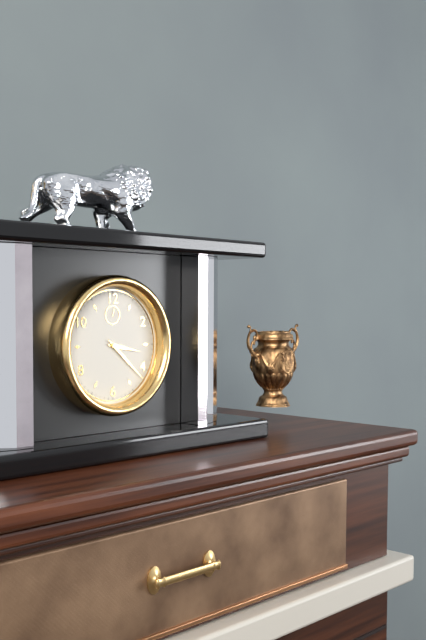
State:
3,22
